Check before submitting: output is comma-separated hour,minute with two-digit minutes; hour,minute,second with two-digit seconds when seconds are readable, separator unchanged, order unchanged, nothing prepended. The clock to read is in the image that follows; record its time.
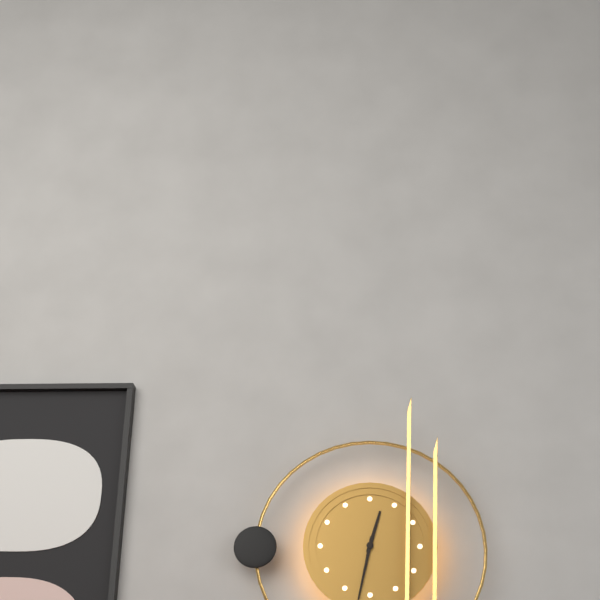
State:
12,32
